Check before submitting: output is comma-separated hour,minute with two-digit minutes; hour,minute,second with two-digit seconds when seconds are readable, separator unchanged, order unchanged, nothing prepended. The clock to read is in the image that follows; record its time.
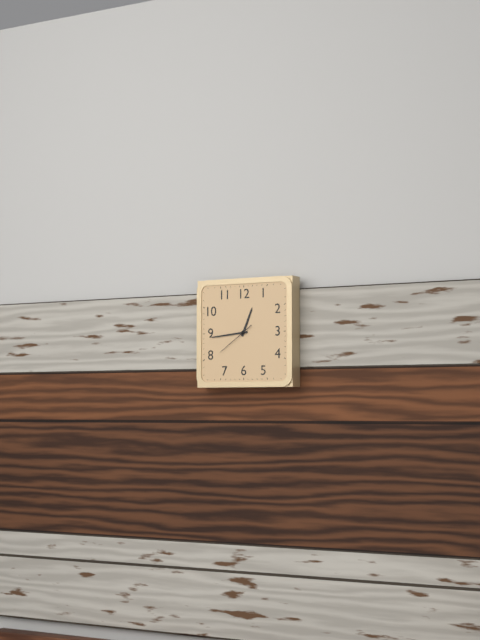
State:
12,44
